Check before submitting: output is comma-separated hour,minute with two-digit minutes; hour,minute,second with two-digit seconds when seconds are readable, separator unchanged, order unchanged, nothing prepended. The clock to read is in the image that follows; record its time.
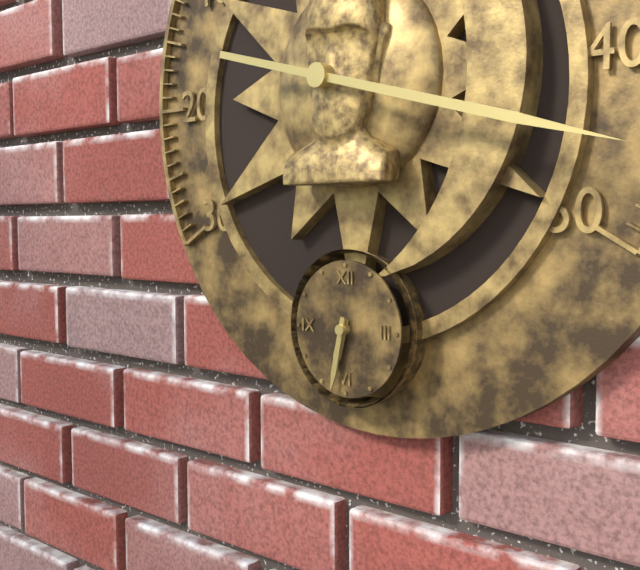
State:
6,32
